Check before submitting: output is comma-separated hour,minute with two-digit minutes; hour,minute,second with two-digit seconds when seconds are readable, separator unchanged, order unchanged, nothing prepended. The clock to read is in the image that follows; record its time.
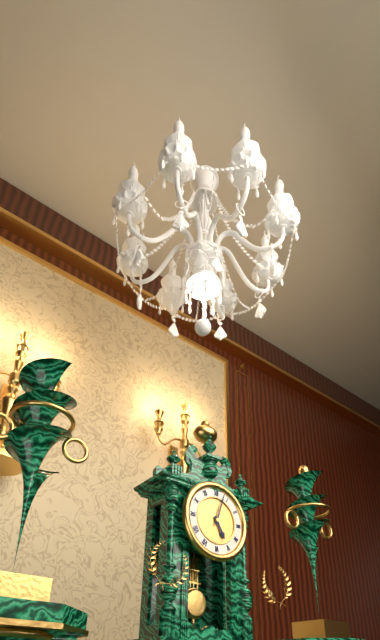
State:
5,03
